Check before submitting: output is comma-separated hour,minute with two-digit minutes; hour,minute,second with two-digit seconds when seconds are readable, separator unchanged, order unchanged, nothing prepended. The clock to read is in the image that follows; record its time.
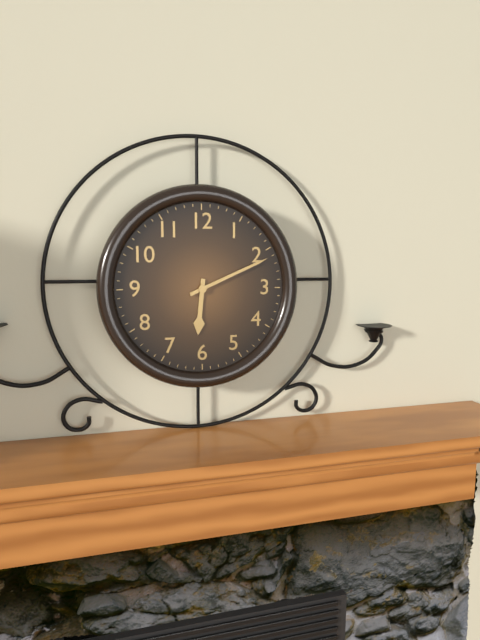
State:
6,11
